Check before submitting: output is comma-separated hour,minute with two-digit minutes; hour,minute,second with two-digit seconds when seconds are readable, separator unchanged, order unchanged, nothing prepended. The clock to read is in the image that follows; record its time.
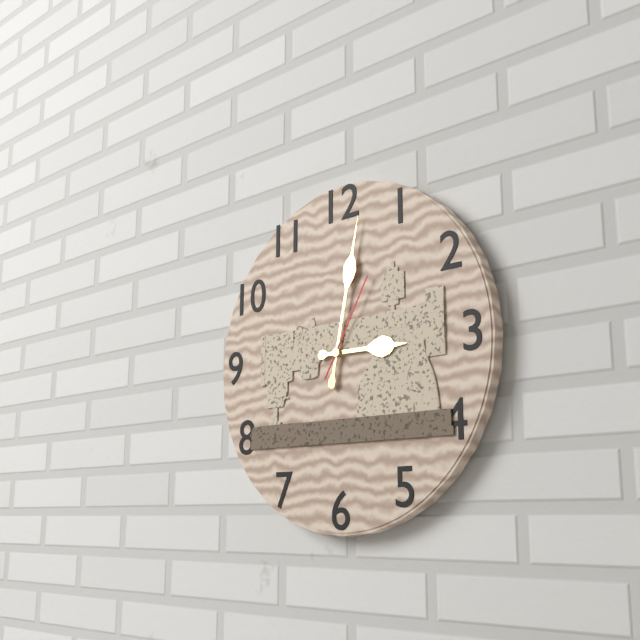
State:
3,02,05
